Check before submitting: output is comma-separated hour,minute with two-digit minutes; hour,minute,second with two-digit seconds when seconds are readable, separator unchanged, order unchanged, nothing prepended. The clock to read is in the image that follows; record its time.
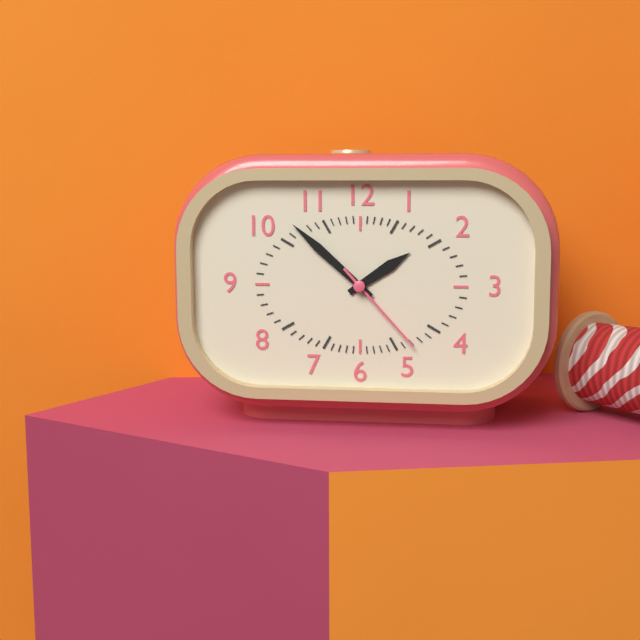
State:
1,52,23
